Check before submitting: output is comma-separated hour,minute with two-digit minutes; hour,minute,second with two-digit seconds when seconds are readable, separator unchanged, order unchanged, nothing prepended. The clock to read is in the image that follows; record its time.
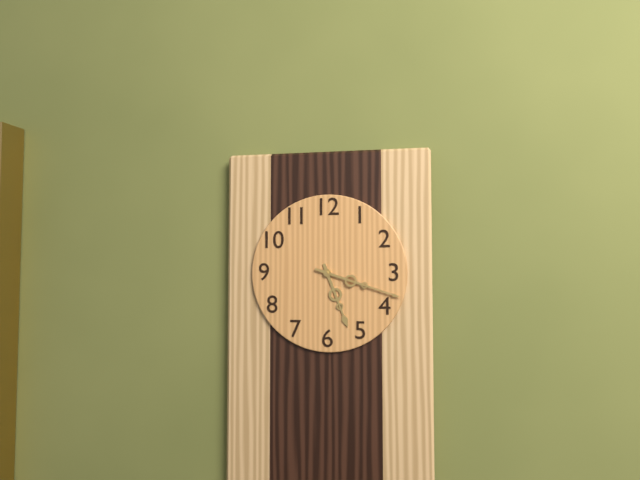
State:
5,18
